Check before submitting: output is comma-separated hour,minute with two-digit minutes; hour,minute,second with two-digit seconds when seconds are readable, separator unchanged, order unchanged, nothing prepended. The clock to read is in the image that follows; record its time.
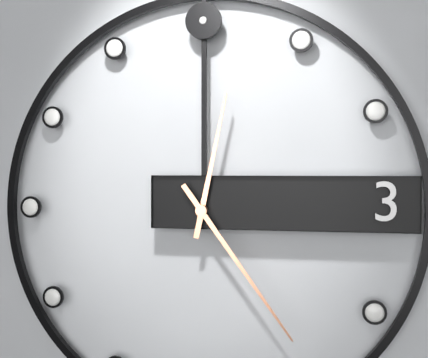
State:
12,24
